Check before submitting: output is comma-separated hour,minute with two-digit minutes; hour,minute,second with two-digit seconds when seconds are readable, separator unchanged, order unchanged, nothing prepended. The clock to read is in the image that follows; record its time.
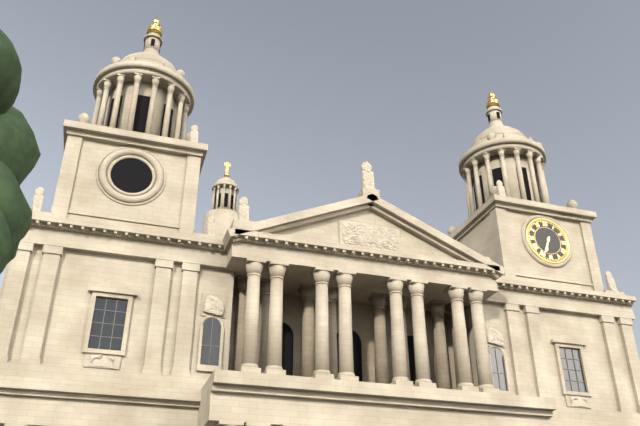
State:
6,34
